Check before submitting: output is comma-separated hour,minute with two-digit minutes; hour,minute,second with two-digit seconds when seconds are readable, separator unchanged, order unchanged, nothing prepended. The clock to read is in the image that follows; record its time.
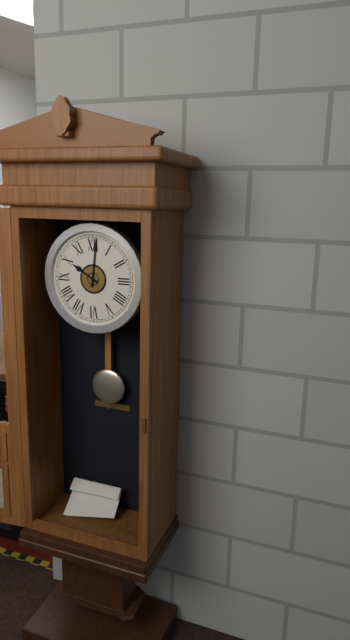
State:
10,01
